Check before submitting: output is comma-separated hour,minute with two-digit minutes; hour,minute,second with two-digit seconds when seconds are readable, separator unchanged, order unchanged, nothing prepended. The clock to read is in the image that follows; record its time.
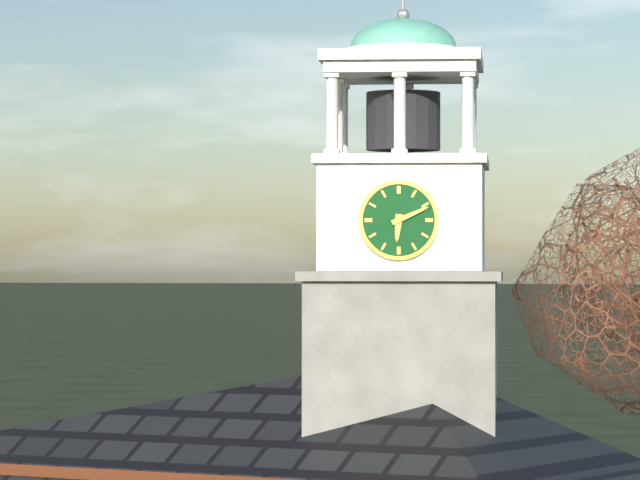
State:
6,11
